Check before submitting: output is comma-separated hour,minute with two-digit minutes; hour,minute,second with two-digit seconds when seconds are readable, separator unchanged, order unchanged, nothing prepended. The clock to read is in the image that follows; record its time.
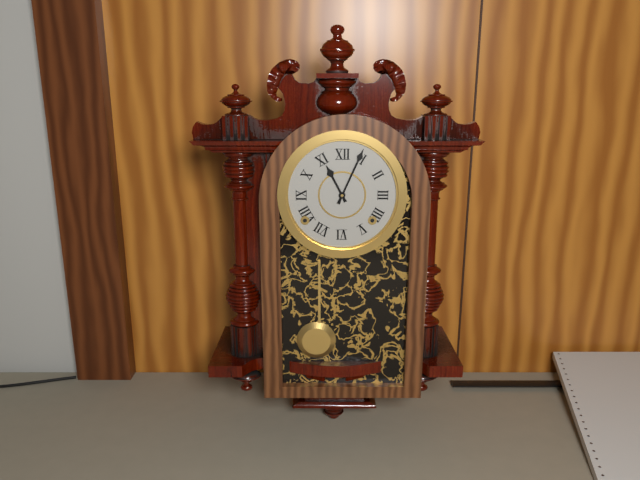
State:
11,04
